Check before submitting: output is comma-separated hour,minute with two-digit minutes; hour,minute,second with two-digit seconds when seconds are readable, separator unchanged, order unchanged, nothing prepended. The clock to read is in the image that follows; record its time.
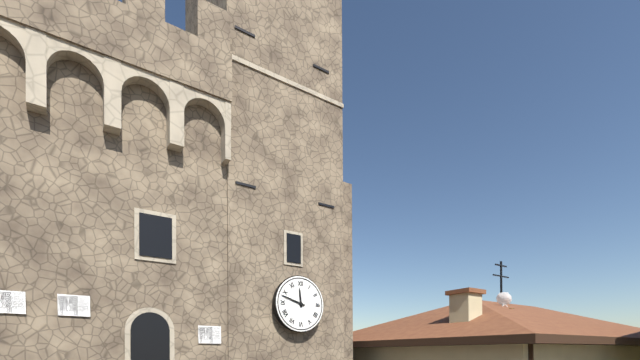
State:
11,48
